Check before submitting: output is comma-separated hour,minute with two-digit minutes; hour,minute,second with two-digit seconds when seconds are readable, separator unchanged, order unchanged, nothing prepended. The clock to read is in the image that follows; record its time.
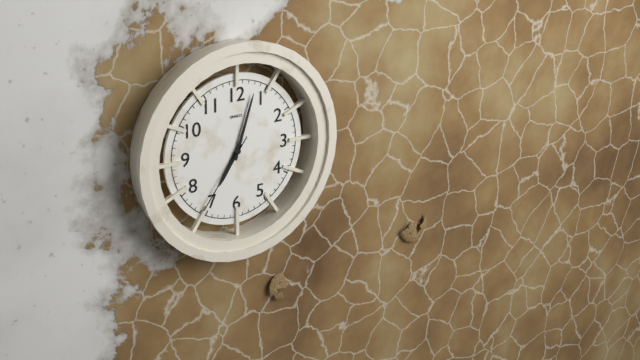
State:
7,03,36
